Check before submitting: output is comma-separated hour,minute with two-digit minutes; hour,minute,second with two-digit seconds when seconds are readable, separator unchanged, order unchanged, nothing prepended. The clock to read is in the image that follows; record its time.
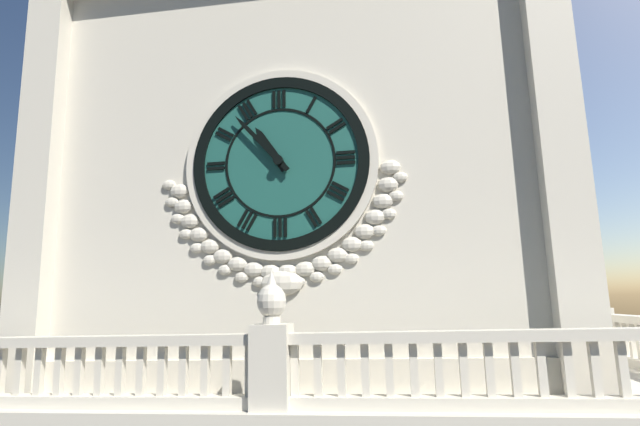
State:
10,53
